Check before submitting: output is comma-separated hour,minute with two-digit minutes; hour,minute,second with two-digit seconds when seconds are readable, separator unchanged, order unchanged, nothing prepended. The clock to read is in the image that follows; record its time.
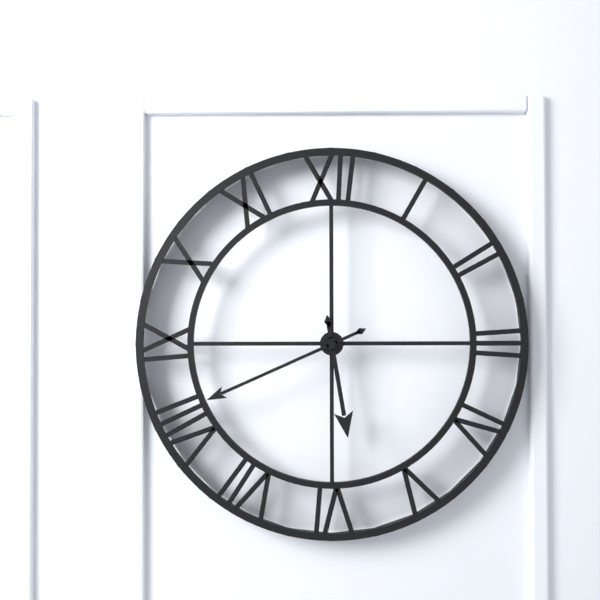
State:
5,41
